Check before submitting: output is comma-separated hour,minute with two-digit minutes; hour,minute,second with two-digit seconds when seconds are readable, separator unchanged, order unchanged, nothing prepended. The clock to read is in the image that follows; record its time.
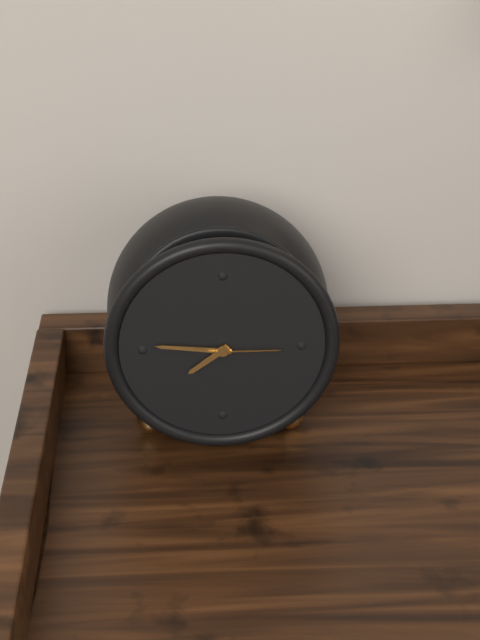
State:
7,46,15
